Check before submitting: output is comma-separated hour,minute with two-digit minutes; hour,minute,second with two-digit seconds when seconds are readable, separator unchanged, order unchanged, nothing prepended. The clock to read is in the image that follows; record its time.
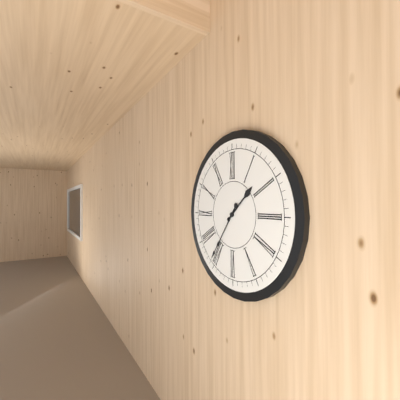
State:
1,36
